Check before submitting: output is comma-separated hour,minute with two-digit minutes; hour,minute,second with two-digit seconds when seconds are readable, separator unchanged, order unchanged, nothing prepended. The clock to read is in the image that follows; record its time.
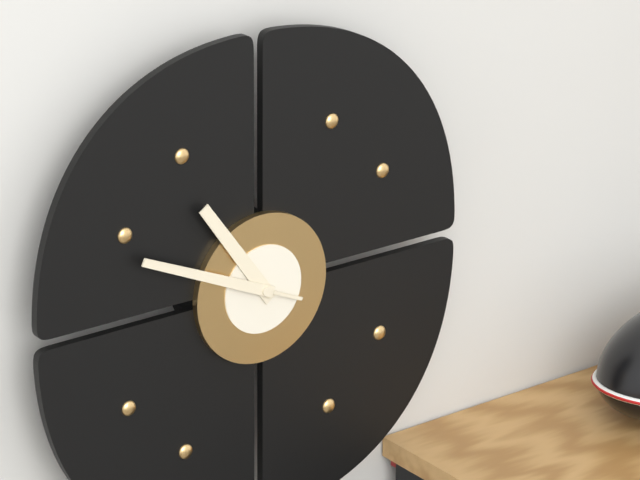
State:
10,49
